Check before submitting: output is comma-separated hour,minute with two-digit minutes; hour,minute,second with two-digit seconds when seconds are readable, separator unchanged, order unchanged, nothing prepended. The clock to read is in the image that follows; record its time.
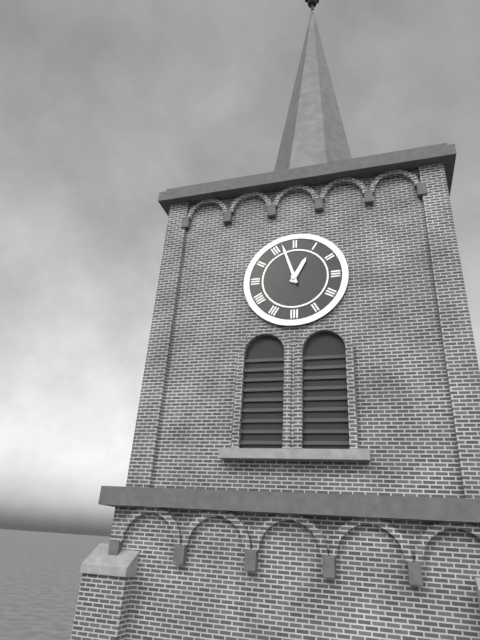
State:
12,57
